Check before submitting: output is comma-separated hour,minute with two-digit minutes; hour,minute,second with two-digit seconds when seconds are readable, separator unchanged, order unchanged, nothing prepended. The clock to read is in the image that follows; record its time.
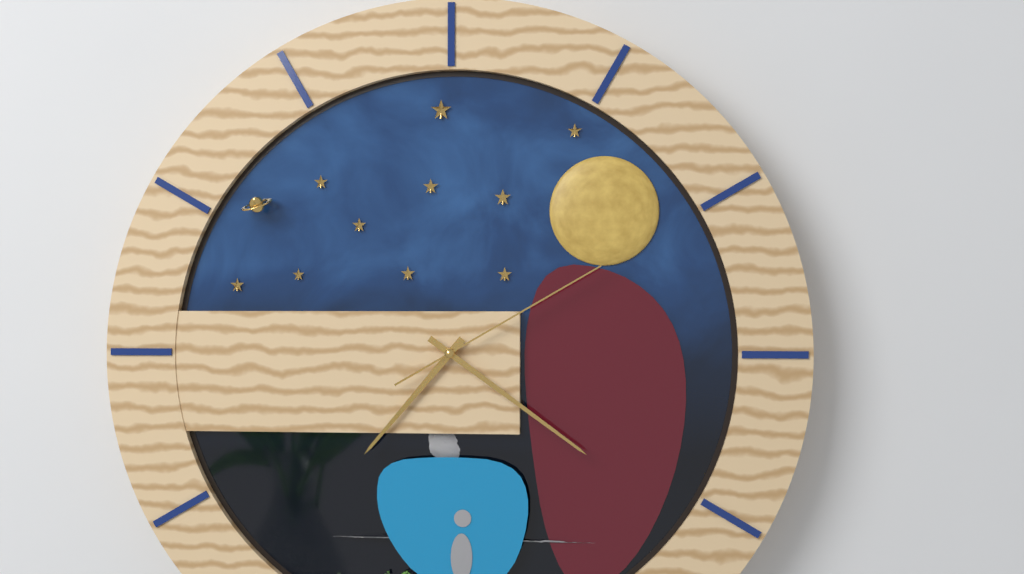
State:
7,21,10
